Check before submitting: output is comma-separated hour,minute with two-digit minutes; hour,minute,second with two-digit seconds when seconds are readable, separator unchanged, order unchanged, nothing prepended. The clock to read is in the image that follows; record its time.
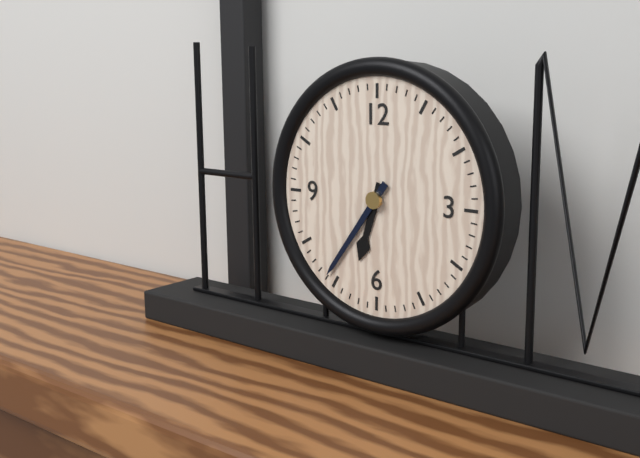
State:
6,36
